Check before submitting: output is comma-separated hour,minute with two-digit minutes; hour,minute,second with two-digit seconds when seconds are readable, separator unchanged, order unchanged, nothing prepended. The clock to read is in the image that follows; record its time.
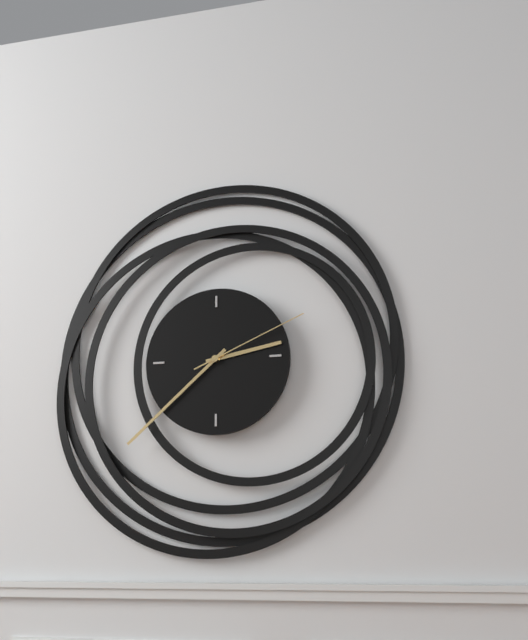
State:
2,38,11
